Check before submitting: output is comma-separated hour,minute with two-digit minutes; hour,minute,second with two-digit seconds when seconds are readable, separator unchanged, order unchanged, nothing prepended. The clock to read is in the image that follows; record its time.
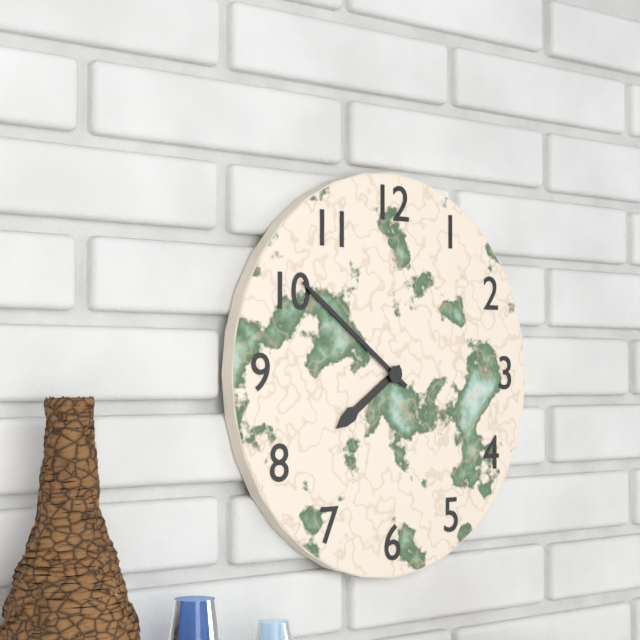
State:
7,51
